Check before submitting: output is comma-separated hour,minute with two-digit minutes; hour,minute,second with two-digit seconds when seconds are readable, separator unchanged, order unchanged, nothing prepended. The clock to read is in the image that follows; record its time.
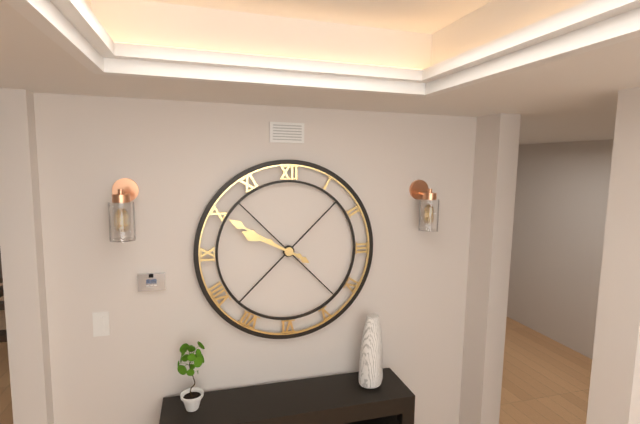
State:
9,50
